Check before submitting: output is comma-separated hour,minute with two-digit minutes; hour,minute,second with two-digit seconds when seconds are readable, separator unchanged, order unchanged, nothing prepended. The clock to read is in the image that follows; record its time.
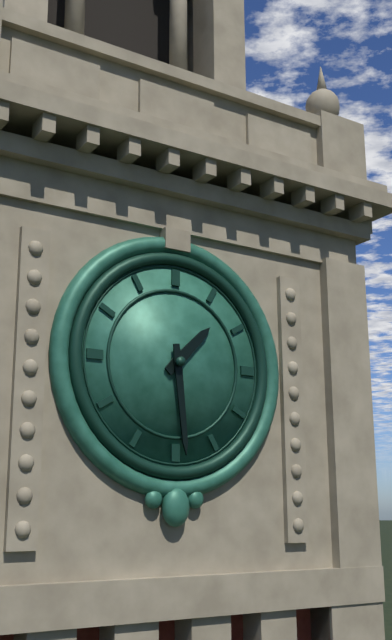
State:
1,29
